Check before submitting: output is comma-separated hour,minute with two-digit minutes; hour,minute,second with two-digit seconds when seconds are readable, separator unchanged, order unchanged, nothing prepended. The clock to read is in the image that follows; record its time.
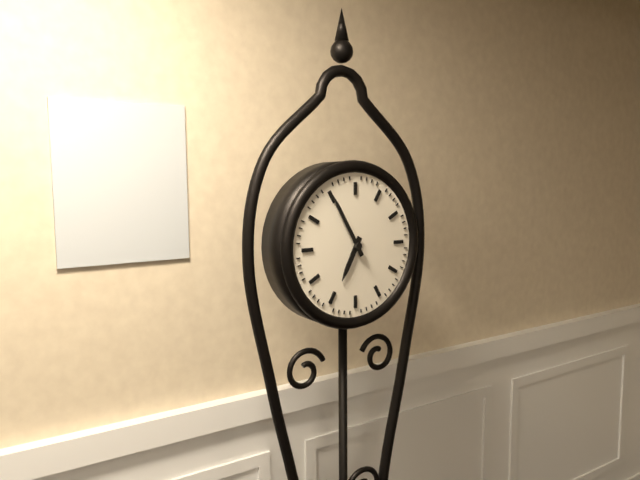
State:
6,55
